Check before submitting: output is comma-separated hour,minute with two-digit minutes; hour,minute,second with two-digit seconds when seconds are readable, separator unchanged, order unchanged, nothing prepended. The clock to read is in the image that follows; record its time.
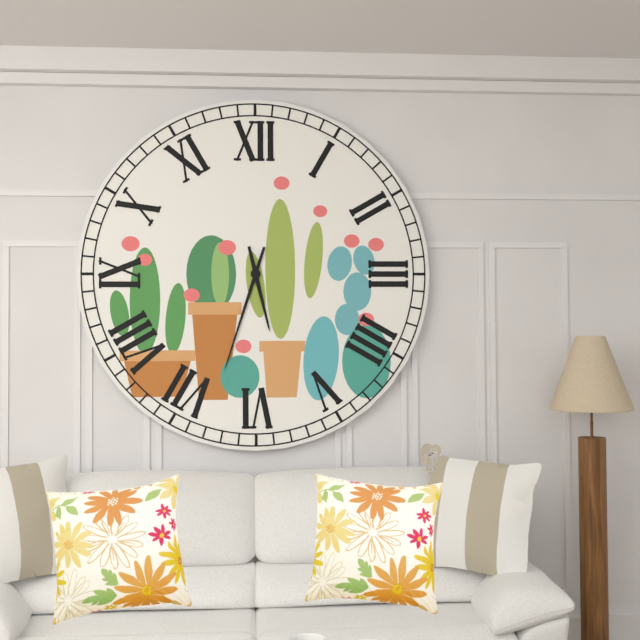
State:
5,33
